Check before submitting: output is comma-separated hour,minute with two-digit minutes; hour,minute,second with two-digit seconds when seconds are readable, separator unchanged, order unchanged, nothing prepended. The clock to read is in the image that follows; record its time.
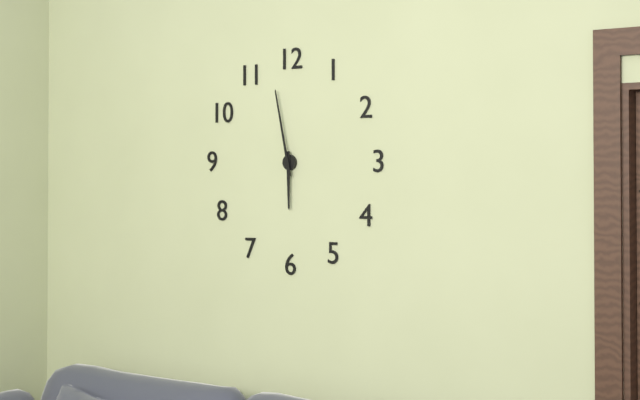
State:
5,58
